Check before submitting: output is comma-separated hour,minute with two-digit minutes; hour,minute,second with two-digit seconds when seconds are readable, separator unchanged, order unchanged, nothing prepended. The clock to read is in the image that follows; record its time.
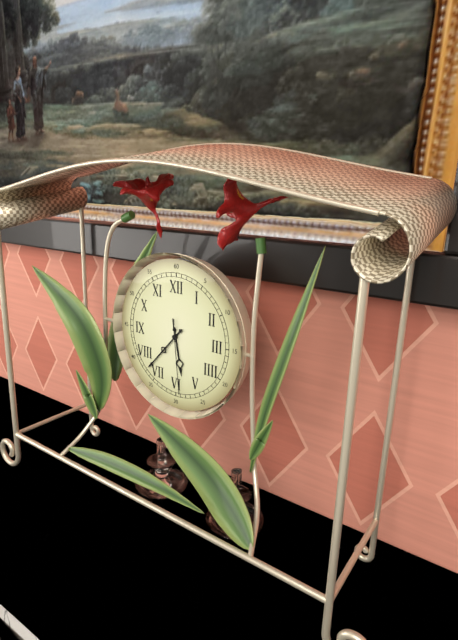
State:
5,37,29
